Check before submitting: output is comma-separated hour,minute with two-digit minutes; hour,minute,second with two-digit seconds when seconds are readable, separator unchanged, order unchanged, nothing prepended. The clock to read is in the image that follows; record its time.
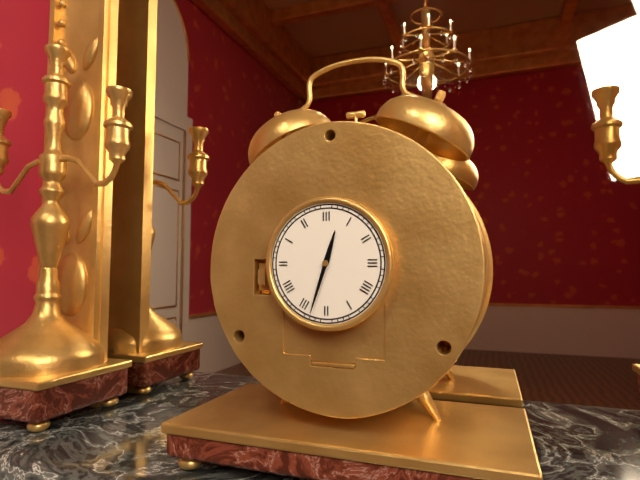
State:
12,33
